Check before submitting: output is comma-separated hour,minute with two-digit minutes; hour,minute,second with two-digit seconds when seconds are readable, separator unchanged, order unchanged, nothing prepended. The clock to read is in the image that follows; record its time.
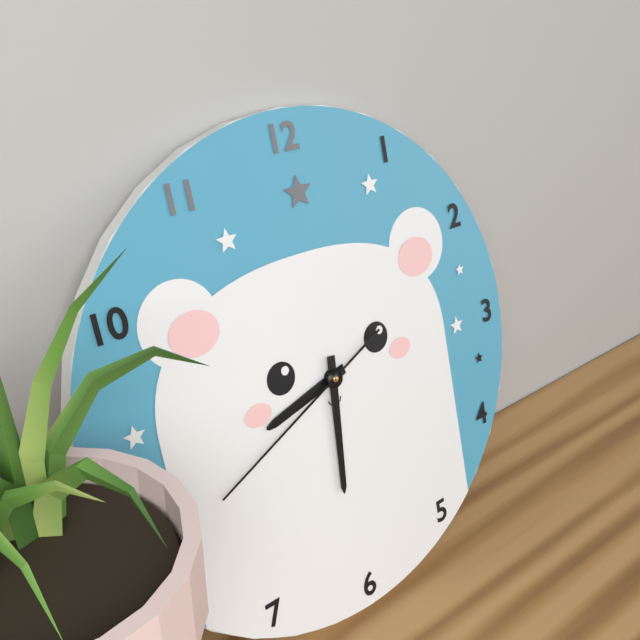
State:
8,31,41
